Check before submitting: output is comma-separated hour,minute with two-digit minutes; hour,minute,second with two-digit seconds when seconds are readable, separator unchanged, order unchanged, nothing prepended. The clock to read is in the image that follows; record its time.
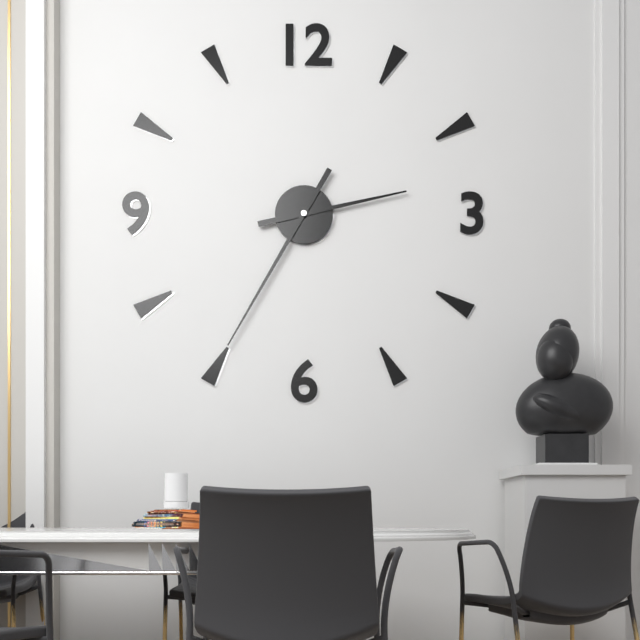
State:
2,35
